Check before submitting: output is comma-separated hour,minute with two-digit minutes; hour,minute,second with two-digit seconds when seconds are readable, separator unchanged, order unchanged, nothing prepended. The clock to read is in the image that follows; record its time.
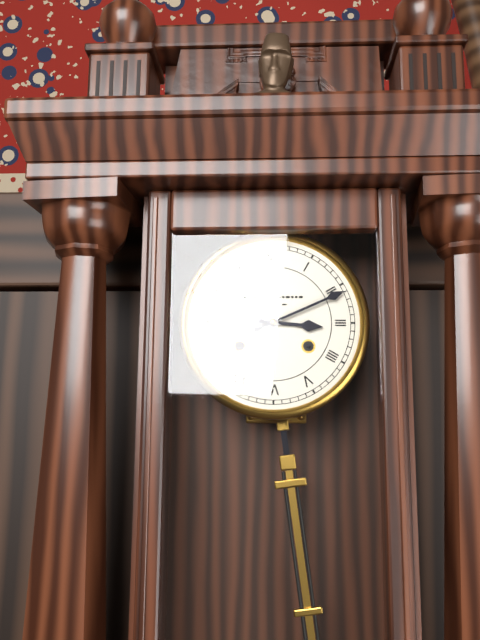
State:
3,11
